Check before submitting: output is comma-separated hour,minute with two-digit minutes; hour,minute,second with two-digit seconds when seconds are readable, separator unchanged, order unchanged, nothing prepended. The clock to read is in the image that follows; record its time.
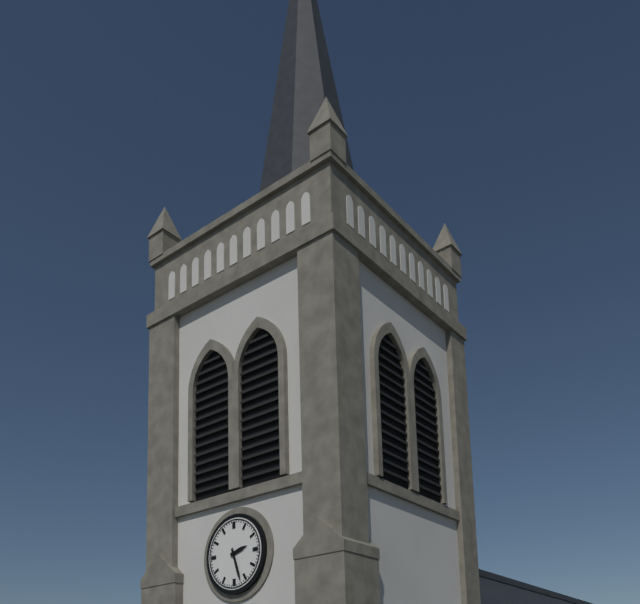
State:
2,27
